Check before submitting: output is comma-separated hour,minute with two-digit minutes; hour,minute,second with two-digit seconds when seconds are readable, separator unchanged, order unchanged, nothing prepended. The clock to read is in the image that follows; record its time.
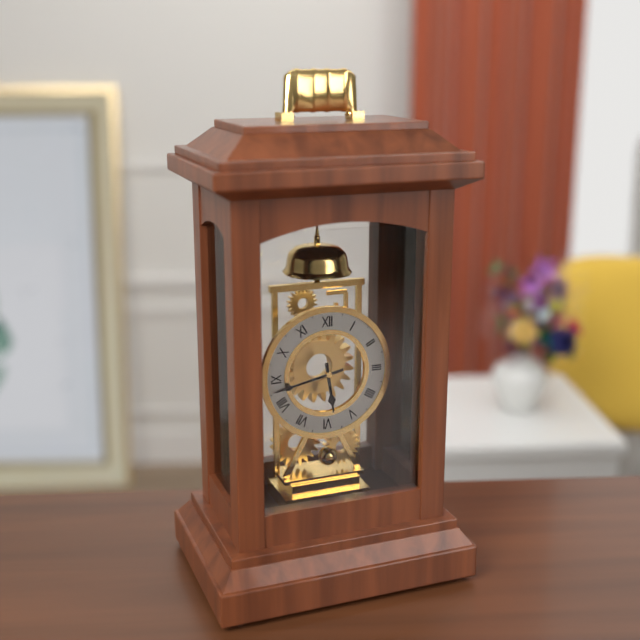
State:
5,43
